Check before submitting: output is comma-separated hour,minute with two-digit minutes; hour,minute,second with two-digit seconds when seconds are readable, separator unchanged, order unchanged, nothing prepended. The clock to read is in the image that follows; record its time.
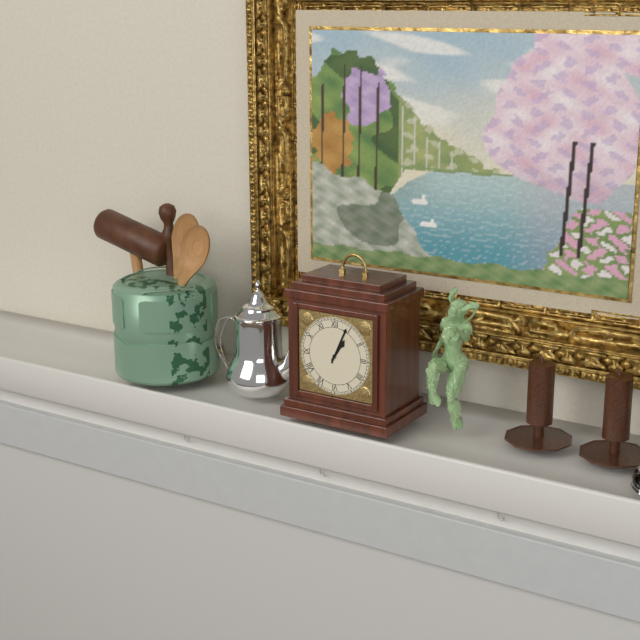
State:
1,04
